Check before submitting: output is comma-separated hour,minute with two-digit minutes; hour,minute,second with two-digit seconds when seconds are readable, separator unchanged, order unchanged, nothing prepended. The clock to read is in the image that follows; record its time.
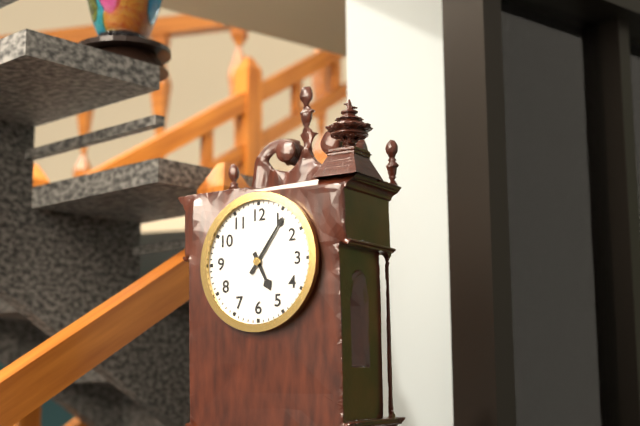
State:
5,06
